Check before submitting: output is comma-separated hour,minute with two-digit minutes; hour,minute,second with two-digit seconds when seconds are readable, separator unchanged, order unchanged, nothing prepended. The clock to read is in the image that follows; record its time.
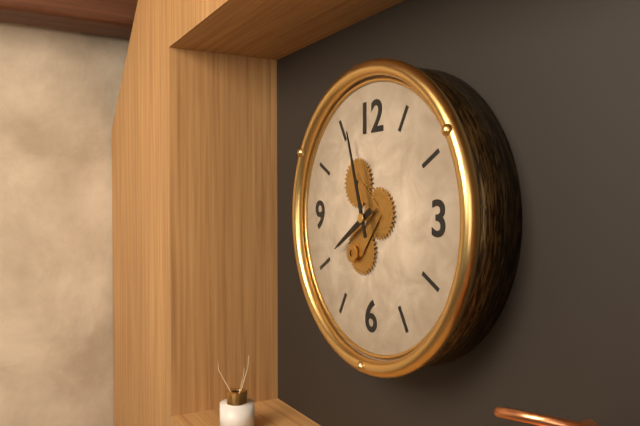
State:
7,57
